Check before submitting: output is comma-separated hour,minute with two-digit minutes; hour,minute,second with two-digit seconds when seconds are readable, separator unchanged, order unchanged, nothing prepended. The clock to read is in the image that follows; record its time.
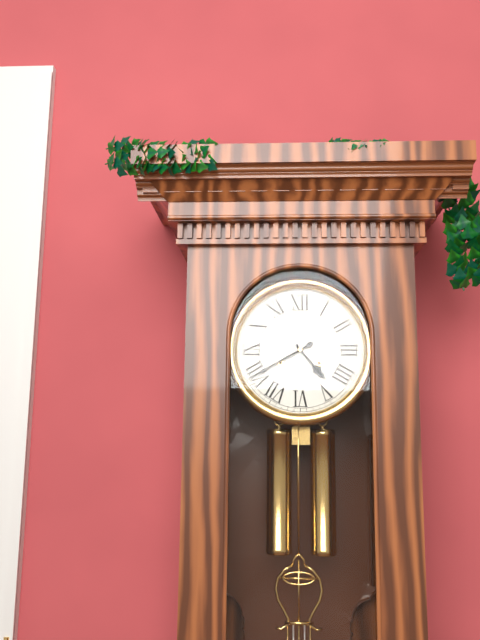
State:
4,40
